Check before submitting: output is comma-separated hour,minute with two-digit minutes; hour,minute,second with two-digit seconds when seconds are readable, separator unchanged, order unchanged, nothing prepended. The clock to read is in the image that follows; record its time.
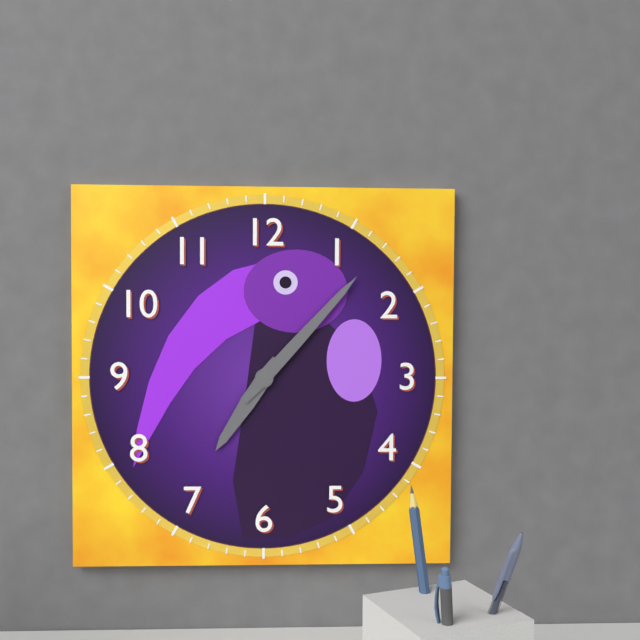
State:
7,07
